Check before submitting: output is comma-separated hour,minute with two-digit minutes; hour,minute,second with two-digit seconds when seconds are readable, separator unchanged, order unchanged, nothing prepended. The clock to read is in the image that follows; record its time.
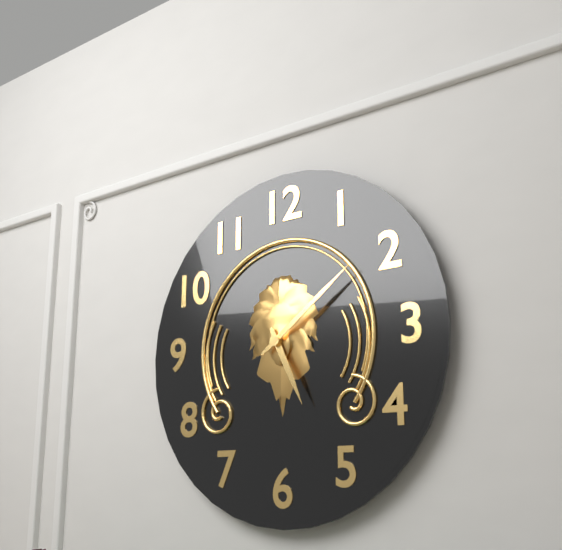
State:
5,09
